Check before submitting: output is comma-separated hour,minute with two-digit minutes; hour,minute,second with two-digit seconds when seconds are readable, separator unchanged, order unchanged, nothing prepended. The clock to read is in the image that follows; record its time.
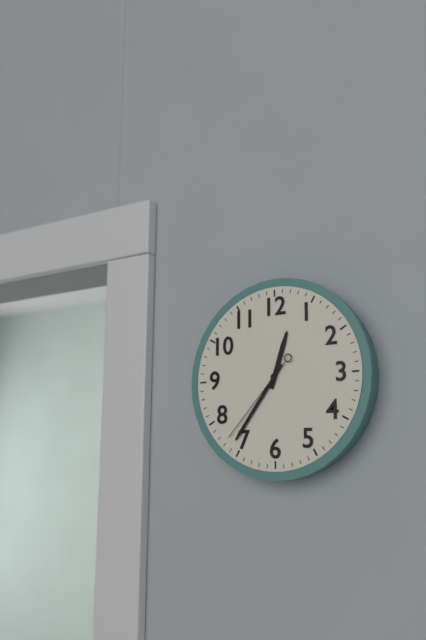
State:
12,36,37
